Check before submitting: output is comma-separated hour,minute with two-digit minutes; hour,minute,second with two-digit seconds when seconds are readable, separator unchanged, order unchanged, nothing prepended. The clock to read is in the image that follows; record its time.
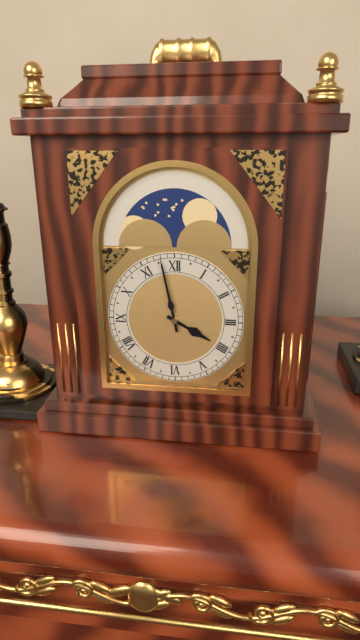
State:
3,58
